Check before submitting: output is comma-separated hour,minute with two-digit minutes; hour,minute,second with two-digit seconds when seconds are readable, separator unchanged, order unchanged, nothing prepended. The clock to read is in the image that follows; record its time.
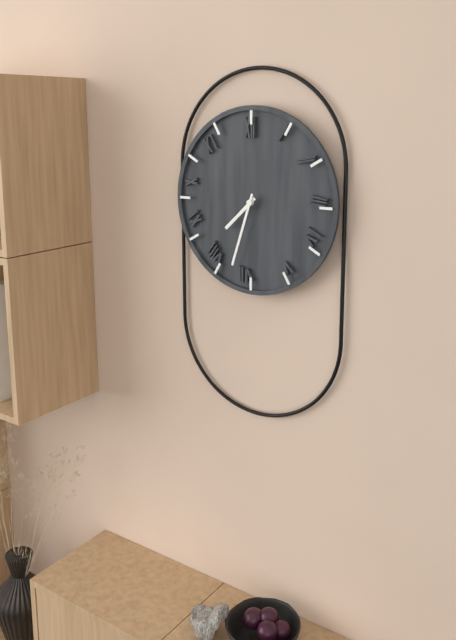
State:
7,33
